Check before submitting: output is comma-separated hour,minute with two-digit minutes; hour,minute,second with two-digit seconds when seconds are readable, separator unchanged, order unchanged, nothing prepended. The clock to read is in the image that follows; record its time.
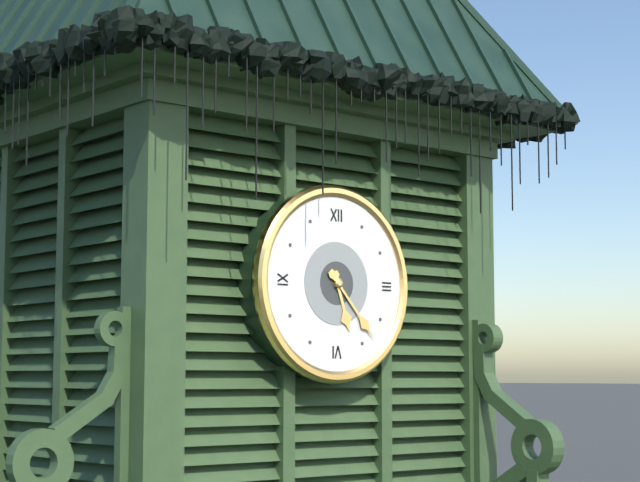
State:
5,23
